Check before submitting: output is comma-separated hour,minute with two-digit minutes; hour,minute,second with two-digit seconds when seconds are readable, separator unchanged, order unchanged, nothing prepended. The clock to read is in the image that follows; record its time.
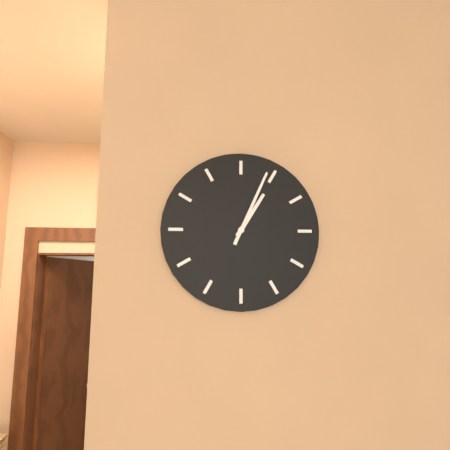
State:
1,04
